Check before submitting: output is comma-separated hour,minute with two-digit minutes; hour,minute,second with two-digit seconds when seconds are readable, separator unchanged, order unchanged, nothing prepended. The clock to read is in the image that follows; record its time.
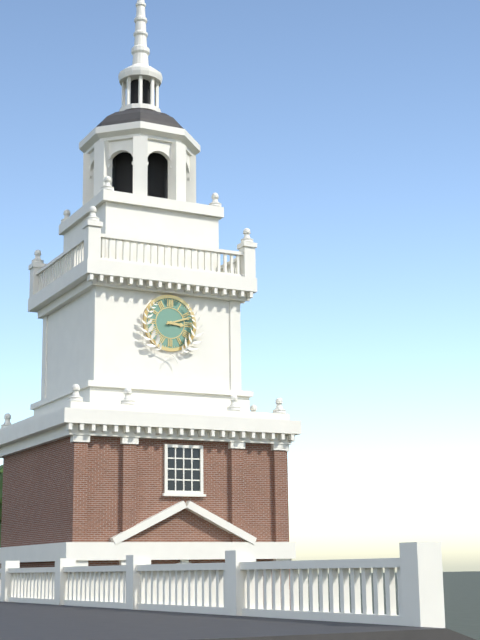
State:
3,12
